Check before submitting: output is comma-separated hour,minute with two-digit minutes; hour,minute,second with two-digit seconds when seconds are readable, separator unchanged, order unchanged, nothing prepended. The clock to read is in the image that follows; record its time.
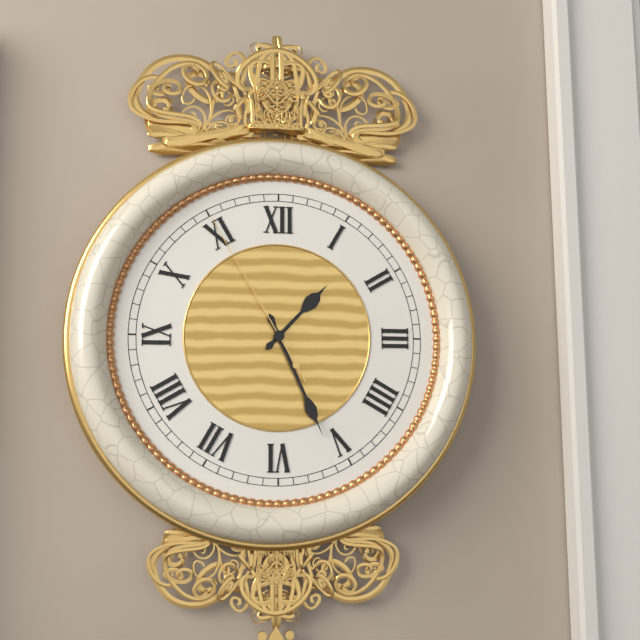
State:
1,26,55
